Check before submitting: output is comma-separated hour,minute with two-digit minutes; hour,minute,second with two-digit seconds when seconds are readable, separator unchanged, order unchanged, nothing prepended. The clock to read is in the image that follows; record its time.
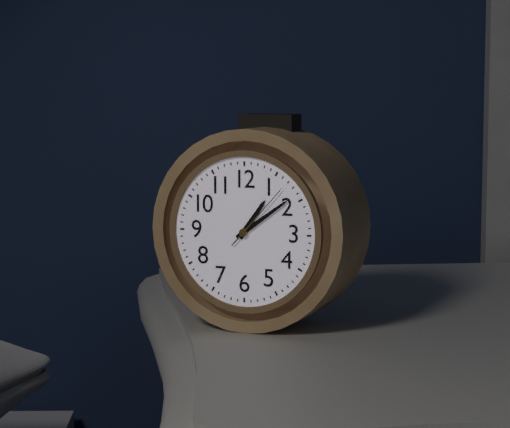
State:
1,09,07
